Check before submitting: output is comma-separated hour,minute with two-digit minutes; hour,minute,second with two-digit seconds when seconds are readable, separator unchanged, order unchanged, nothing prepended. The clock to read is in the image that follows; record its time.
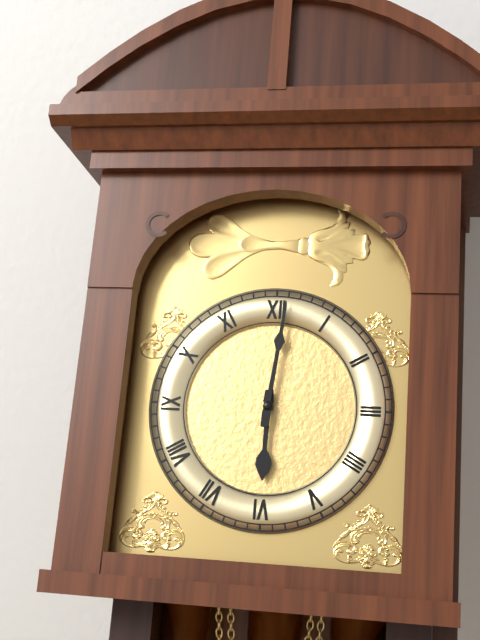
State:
6,01
